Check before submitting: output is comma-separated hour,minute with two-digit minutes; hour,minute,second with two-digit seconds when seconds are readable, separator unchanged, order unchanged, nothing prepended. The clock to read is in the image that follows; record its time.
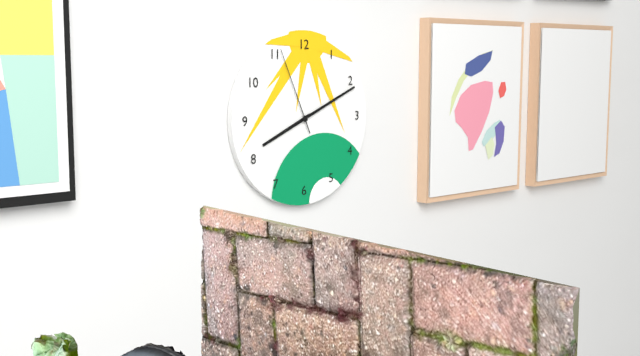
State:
8,11,56
